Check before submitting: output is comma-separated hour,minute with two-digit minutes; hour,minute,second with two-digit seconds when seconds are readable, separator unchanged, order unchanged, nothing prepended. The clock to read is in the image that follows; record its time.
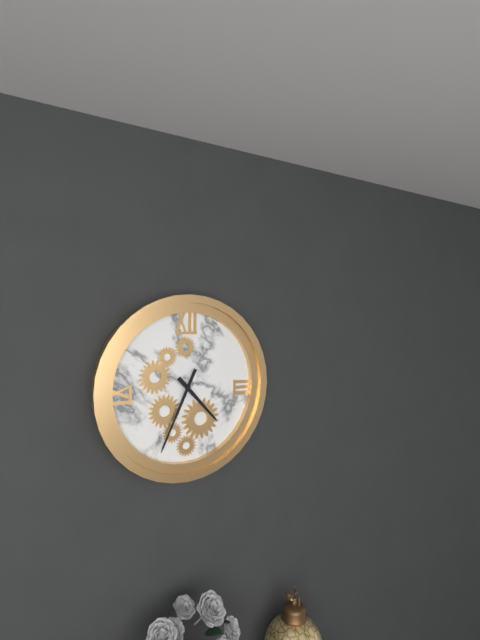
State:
4,34
